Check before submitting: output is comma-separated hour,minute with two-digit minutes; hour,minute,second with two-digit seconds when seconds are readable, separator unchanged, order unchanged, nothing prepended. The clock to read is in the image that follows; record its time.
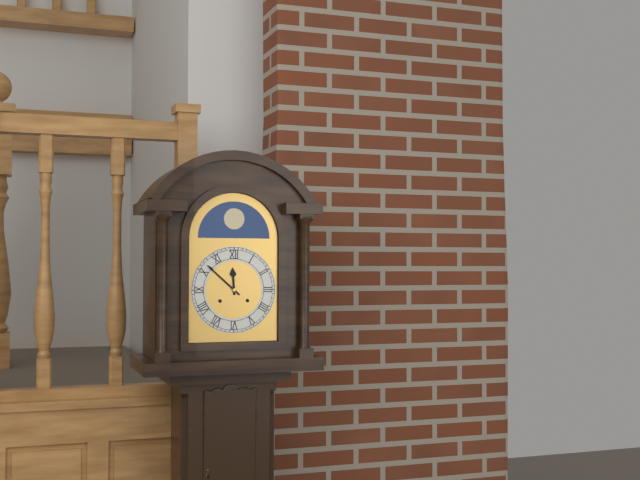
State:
11,52
